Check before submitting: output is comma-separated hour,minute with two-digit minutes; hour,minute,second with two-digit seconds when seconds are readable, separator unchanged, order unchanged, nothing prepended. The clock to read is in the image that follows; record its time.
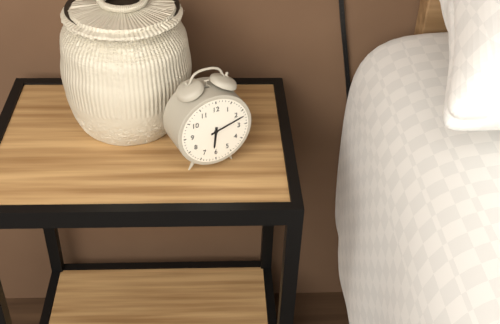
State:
6,12
